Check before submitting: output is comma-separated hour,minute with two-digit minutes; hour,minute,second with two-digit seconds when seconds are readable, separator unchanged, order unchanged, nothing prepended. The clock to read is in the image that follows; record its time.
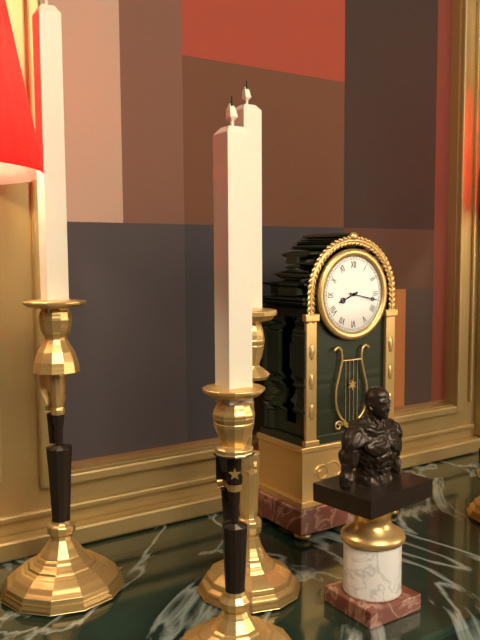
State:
8,17
